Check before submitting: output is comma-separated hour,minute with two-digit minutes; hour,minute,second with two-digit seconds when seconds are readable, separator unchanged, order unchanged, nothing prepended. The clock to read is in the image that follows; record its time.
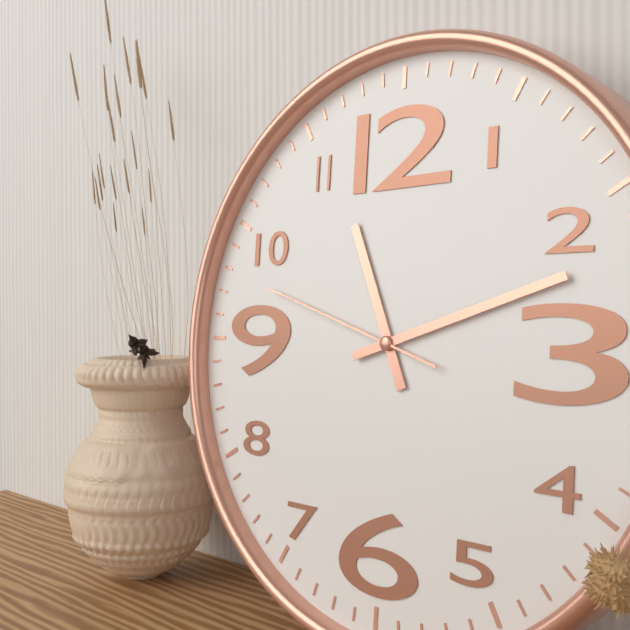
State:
11,12,48
